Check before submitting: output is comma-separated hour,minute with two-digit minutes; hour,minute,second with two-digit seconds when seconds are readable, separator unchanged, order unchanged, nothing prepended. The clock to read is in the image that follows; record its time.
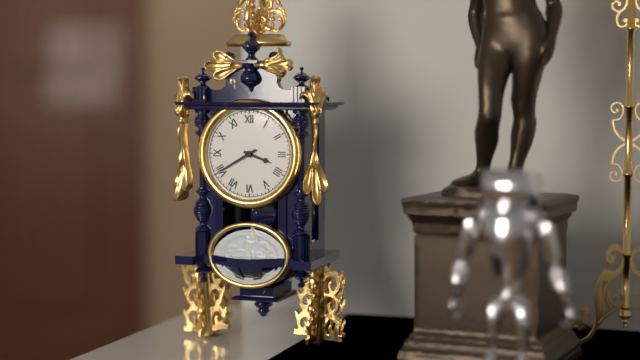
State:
3,40
